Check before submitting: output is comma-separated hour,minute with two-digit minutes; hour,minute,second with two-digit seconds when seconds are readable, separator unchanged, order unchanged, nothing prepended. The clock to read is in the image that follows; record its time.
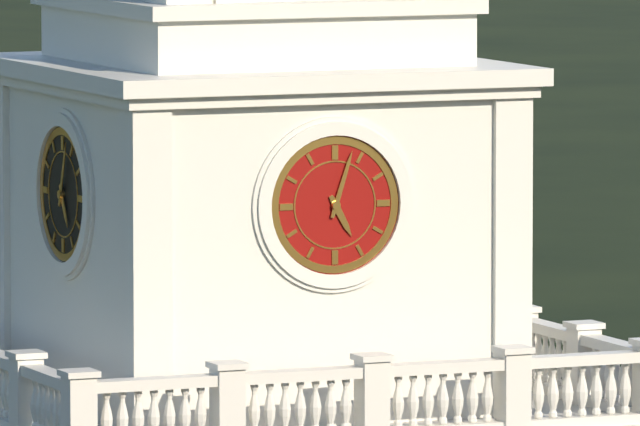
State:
5,03
